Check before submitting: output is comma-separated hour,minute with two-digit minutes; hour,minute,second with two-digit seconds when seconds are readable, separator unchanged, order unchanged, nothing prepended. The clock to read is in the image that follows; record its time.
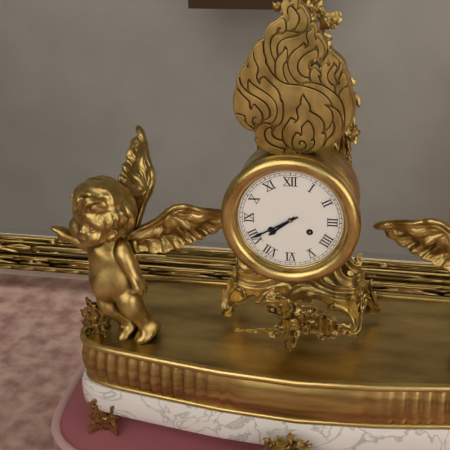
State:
7,40
